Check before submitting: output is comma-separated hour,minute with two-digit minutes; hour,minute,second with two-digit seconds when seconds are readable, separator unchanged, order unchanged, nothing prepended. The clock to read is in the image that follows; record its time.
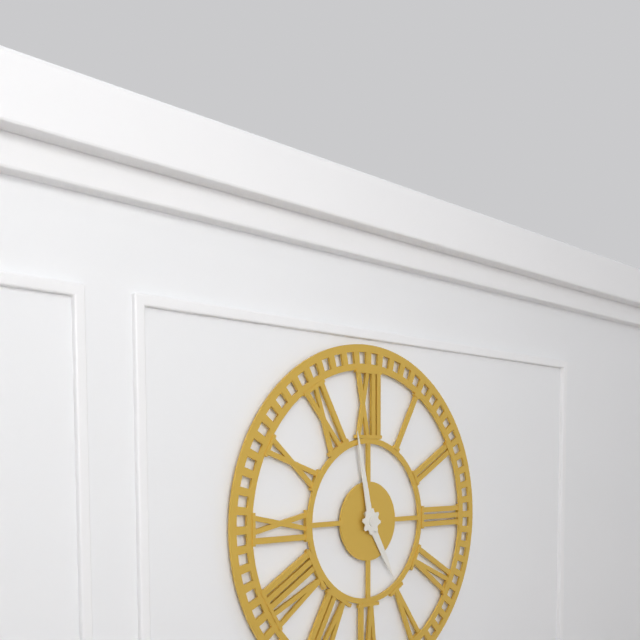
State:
4,58
